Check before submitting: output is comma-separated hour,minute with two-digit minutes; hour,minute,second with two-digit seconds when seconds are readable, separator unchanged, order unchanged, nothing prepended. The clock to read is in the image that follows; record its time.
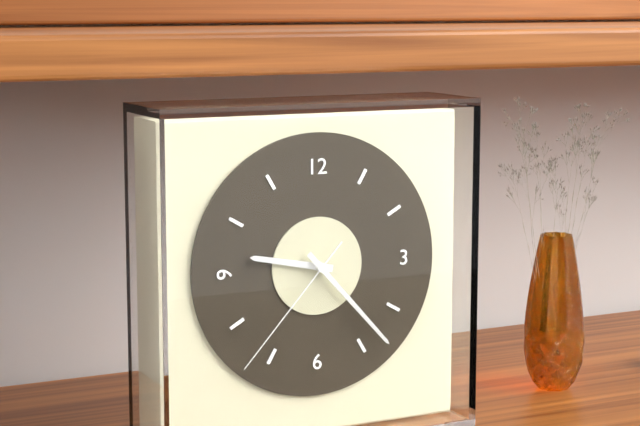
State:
9,23,37
